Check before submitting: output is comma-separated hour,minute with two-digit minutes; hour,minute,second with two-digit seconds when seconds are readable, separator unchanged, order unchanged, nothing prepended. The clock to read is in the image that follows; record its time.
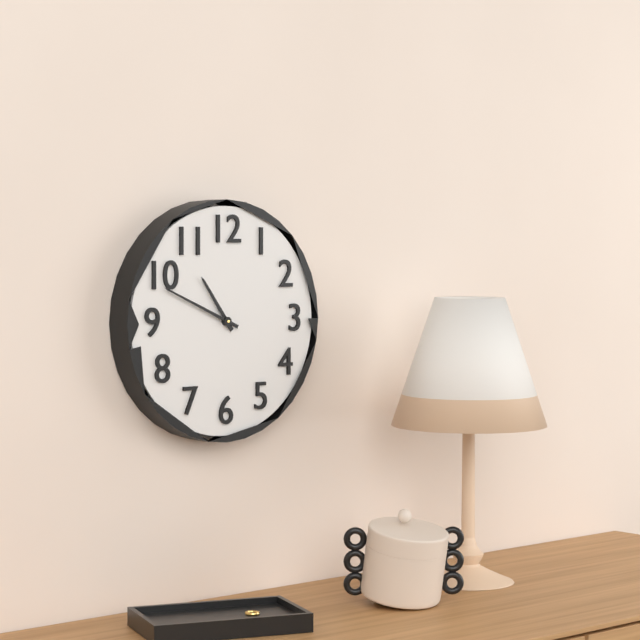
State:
10,49
